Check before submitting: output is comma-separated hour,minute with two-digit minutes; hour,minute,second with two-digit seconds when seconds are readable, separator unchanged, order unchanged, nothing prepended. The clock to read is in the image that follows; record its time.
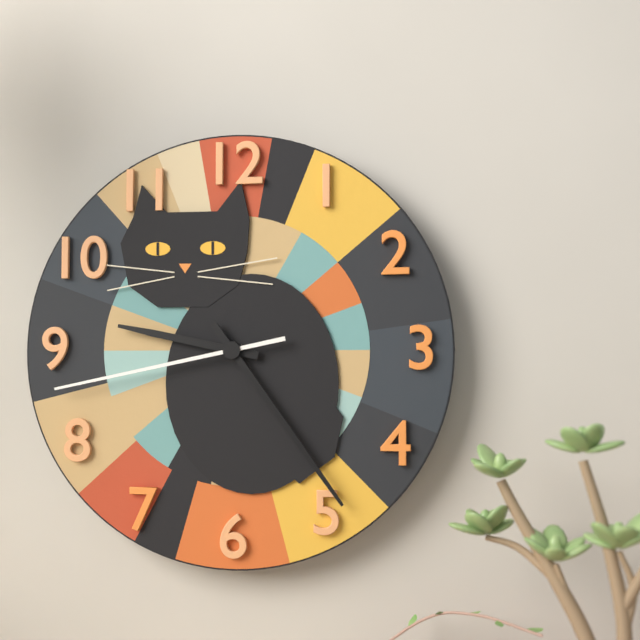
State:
9,24,43
